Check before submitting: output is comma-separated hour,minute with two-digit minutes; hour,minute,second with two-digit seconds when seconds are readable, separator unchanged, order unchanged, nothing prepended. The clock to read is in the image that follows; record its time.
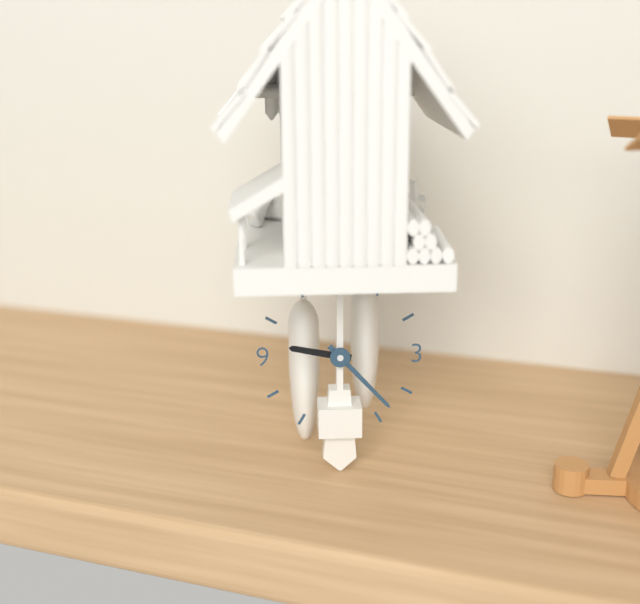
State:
9,23
